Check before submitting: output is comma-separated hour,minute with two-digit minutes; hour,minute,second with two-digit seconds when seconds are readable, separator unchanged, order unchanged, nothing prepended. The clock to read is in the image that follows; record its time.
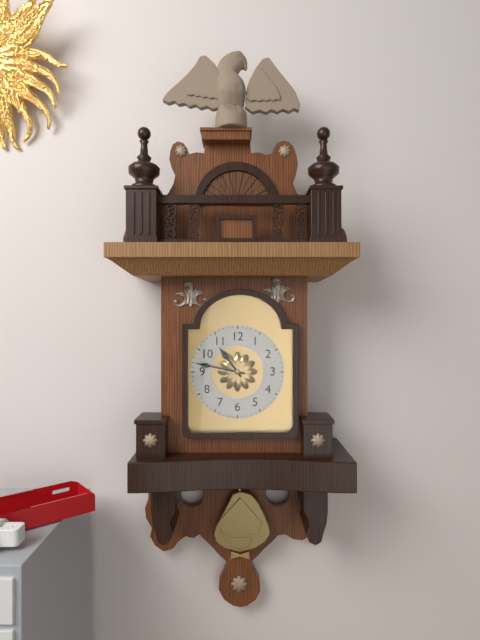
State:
10,47
